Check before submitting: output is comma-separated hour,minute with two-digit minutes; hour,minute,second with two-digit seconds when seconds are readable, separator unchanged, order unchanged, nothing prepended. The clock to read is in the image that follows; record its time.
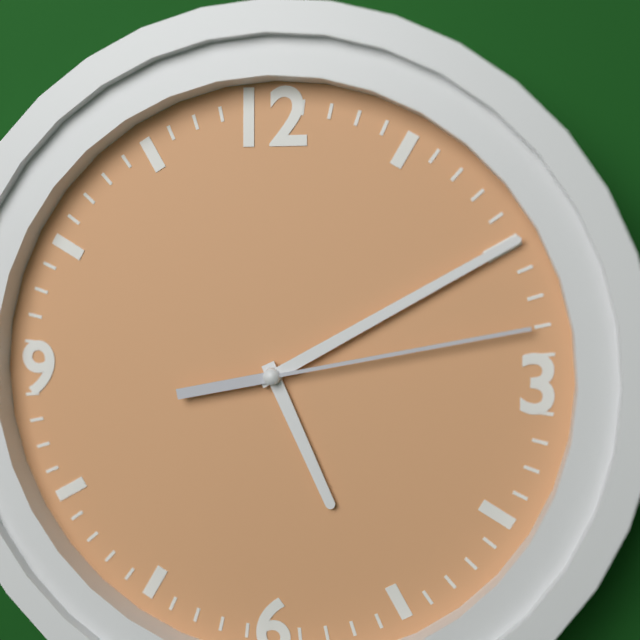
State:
5,10,13
